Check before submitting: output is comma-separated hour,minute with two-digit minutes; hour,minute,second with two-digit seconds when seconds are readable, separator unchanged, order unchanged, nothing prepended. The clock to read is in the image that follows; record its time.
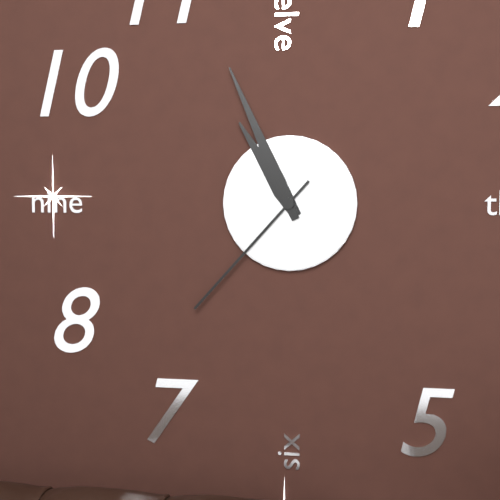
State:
10,56,37
